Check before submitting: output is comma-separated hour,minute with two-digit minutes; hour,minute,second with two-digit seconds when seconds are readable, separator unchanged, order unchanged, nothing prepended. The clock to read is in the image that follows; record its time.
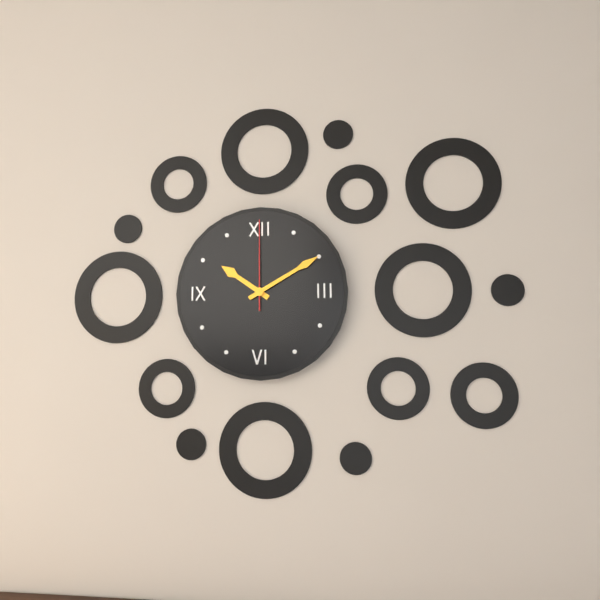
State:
10,10,00
